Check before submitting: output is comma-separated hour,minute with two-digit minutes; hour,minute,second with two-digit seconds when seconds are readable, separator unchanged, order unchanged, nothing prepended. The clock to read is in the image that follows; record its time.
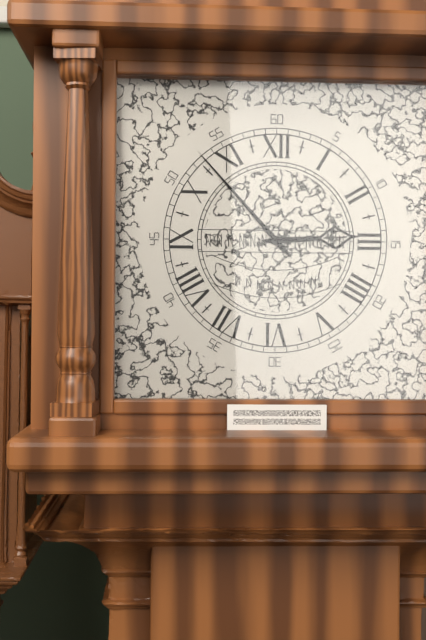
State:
2,53
